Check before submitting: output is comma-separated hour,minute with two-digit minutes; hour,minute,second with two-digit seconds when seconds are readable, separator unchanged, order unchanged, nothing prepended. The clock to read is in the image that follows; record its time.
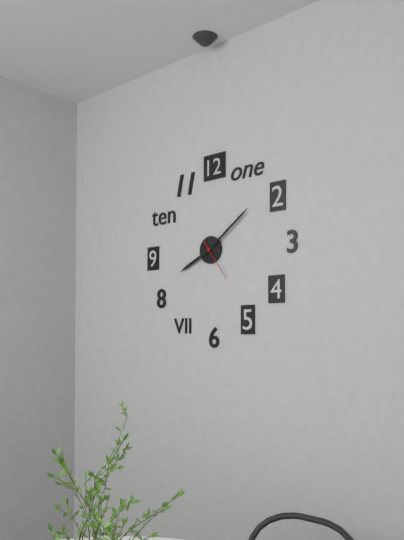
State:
8,09
